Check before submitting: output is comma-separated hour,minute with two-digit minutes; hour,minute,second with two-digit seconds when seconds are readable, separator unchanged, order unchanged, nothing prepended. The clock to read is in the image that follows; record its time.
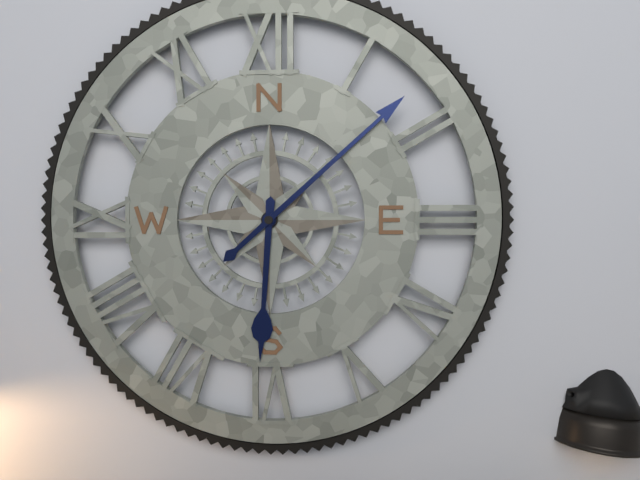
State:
6,08
